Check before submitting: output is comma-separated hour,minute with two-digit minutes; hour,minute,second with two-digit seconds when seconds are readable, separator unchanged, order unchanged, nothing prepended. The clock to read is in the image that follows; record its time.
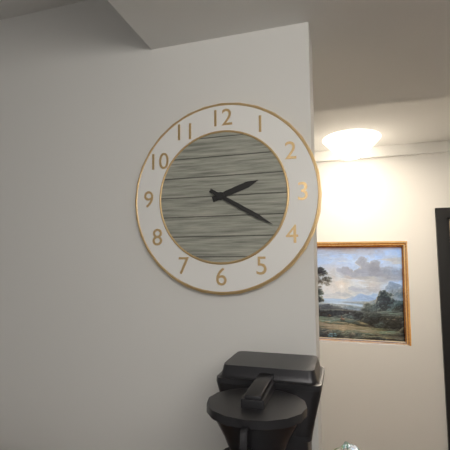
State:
2,20
